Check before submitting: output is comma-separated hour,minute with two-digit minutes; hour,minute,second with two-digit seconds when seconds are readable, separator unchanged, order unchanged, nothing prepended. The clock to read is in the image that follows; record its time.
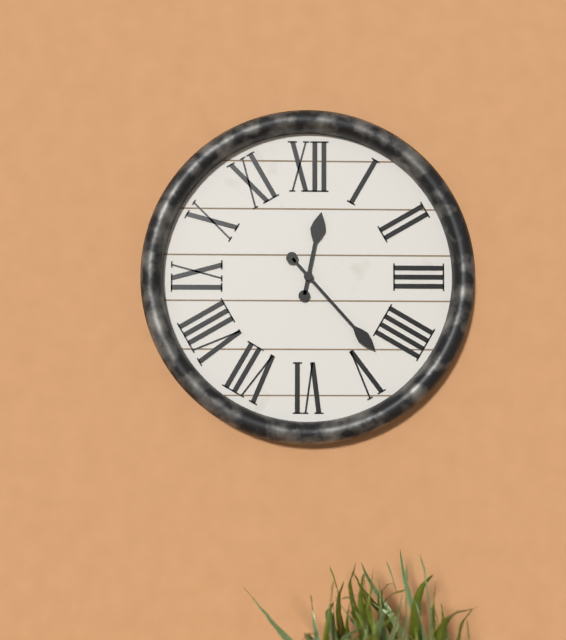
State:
12,23
